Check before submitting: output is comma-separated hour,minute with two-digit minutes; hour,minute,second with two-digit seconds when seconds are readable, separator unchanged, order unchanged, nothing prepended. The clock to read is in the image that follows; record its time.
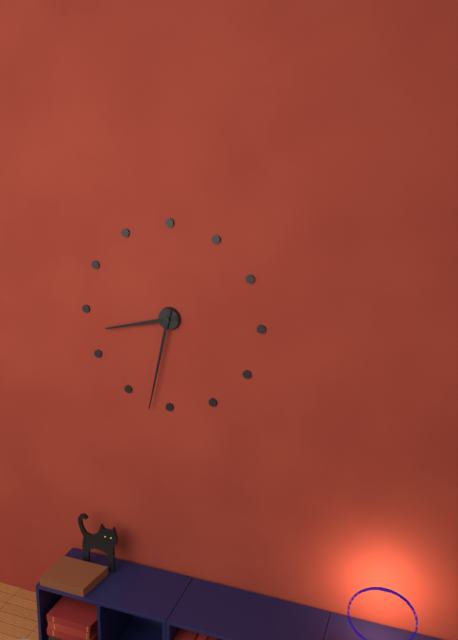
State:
8,32
